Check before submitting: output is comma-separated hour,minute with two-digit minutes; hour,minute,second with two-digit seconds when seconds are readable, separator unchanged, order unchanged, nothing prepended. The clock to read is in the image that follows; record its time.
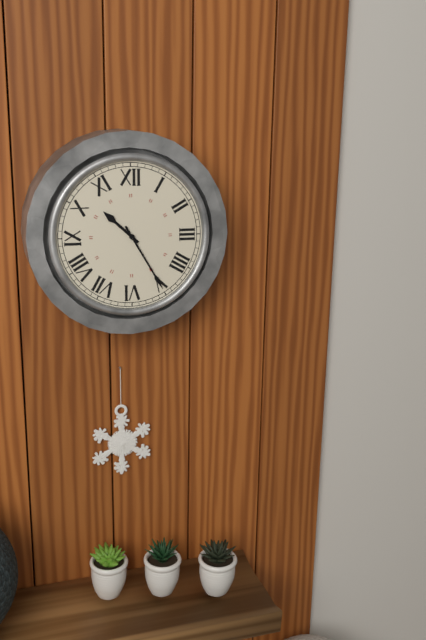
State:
10,25
